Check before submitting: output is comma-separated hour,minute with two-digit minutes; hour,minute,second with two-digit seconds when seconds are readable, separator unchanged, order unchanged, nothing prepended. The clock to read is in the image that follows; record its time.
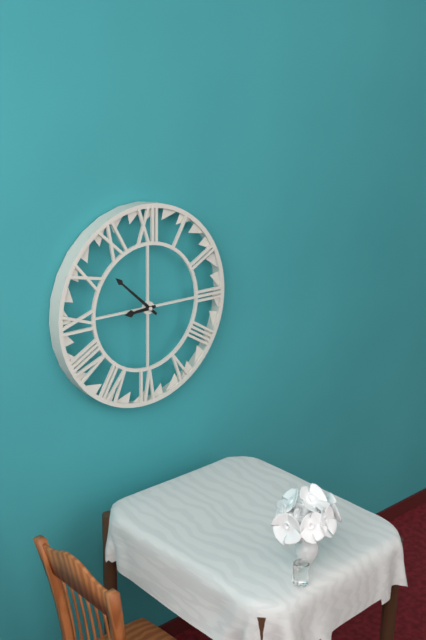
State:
8,52
